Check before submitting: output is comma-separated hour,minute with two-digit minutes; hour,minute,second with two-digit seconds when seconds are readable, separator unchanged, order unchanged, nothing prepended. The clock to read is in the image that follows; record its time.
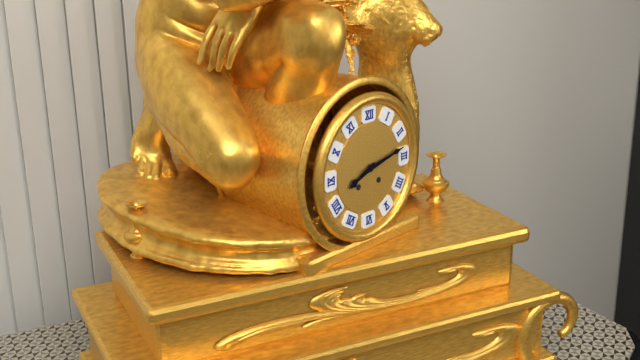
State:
8,13
